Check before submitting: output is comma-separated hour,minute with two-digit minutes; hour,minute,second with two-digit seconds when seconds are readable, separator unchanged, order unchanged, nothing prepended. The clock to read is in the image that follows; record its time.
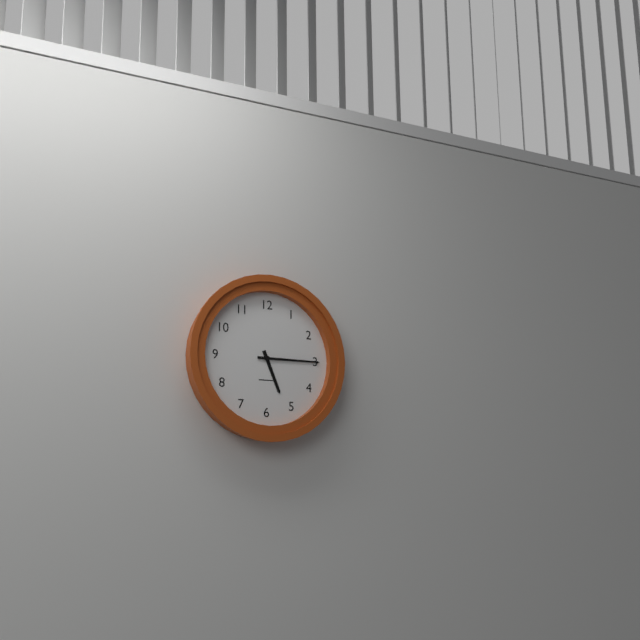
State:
5,15
